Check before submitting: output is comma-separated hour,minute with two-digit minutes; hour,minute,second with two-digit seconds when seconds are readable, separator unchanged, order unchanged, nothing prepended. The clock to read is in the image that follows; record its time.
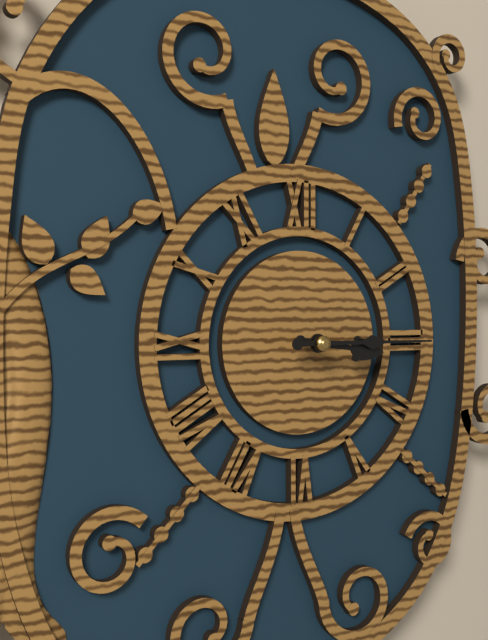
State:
3,15
